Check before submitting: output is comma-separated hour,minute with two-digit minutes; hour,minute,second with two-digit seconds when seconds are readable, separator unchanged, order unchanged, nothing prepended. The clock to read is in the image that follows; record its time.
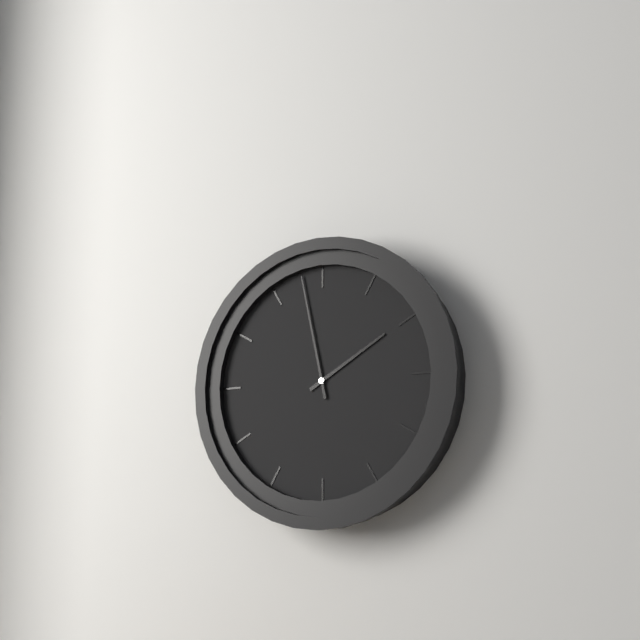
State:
1,58
